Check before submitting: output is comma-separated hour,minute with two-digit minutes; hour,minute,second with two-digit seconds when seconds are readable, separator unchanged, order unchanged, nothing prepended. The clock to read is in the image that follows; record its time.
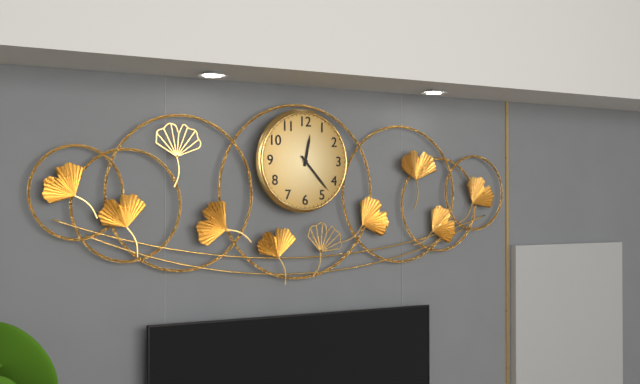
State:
12,23
